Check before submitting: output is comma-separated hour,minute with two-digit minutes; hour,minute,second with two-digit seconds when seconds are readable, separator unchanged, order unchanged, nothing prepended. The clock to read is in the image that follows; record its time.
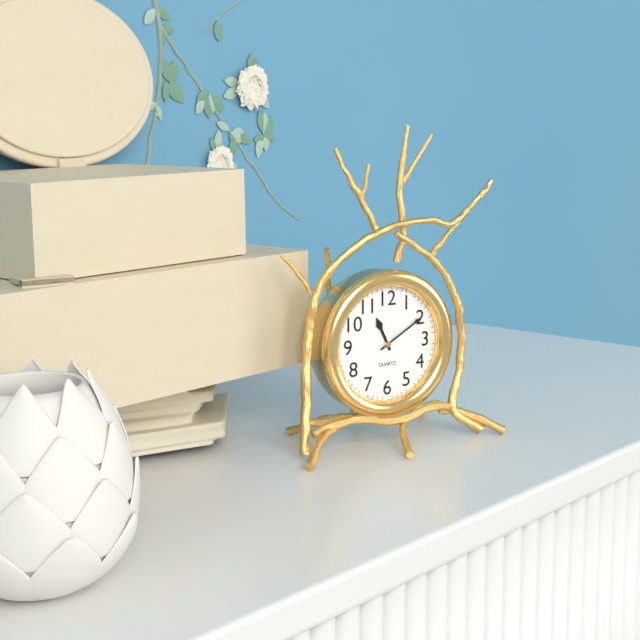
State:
11,10
